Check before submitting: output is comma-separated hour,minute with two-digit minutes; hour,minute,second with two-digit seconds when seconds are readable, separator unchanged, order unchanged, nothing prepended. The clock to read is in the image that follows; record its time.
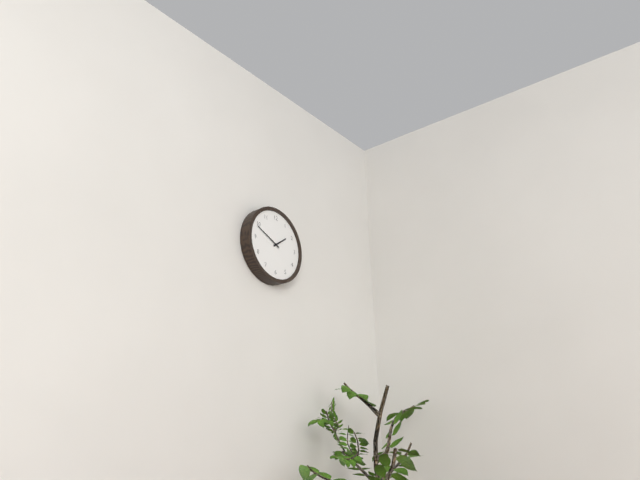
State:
1,49
